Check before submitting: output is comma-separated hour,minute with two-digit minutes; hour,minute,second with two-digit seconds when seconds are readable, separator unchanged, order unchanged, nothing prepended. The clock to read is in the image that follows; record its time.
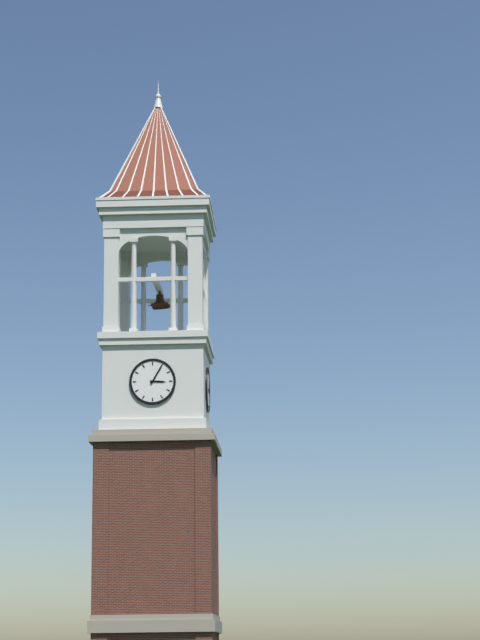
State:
3,05
